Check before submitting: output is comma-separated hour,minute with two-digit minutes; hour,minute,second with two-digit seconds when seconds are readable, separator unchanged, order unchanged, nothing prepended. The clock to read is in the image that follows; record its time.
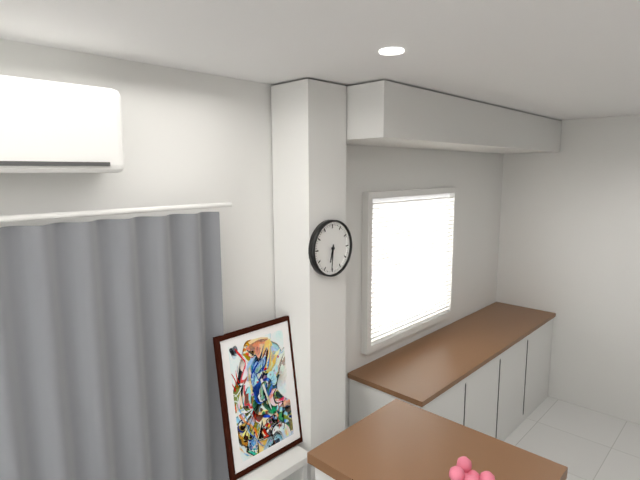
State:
6,31
